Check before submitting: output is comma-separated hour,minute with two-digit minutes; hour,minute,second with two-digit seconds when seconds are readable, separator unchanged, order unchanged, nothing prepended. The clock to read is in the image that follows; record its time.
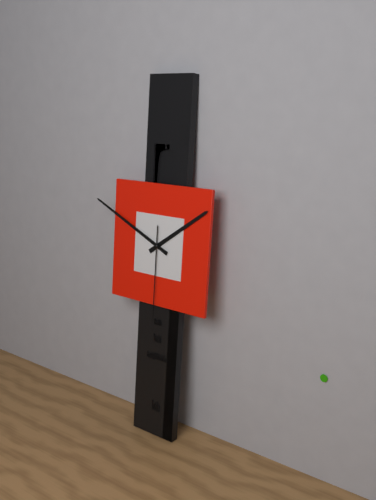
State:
1,49,30
